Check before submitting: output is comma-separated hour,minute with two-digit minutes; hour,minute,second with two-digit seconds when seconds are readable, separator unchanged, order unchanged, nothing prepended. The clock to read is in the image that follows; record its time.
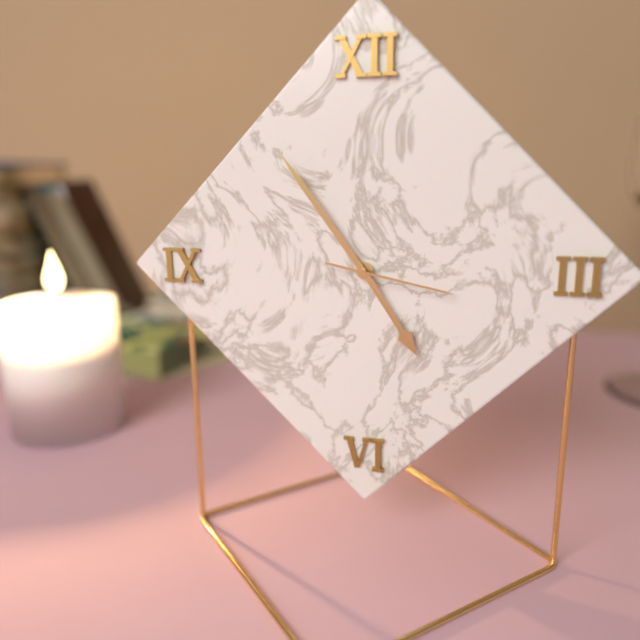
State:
4,54,17
